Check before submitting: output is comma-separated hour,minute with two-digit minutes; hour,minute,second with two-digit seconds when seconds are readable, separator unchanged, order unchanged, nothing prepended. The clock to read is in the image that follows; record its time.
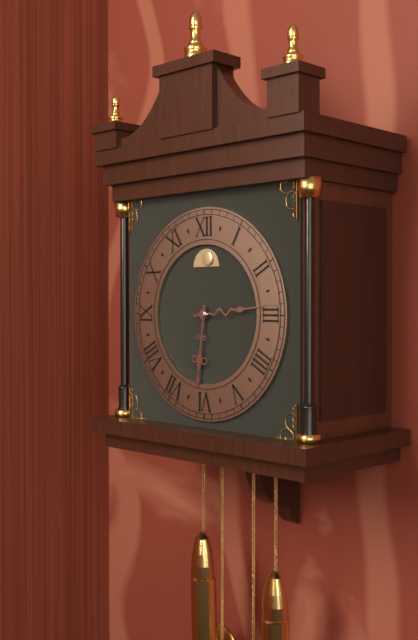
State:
6,14
